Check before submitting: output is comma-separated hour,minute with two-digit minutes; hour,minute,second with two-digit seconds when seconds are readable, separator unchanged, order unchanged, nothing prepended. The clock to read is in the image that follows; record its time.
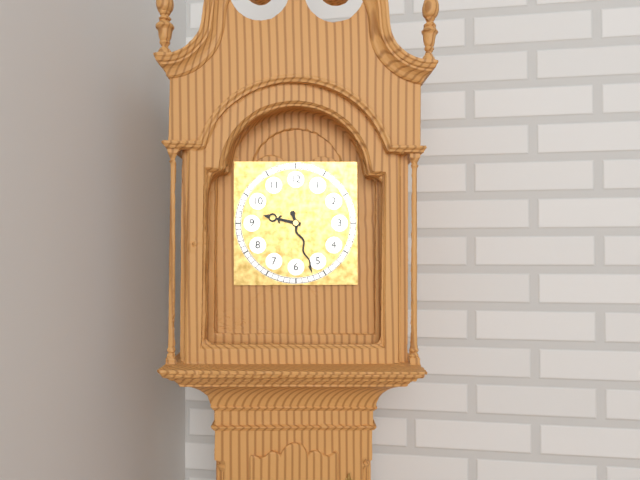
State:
9,27
